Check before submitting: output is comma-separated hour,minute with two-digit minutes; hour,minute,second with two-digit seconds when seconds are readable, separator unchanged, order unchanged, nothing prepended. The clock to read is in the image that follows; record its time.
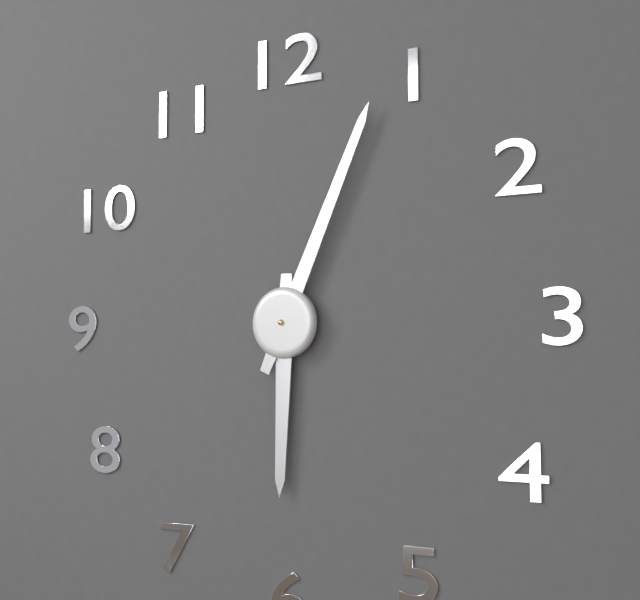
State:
6,04
